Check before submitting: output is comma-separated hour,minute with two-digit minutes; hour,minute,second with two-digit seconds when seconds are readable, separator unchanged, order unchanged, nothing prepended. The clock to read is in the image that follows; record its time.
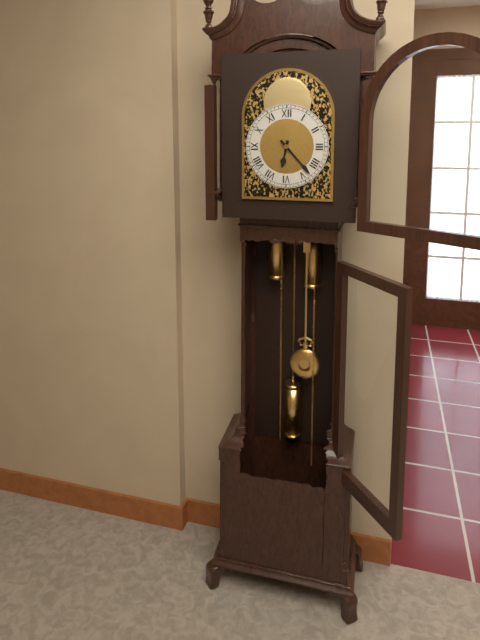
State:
6,23
